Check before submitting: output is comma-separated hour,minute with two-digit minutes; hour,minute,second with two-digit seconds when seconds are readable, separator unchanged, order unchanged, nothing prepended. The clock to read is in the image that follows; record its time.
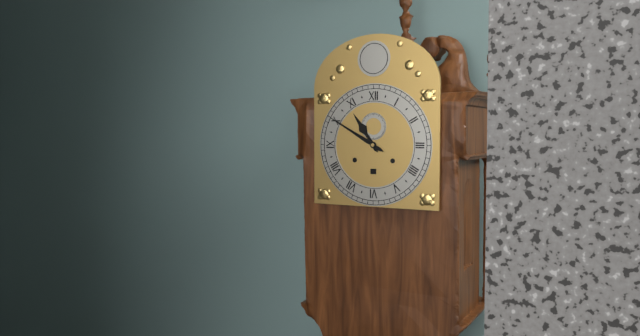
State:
10,50
